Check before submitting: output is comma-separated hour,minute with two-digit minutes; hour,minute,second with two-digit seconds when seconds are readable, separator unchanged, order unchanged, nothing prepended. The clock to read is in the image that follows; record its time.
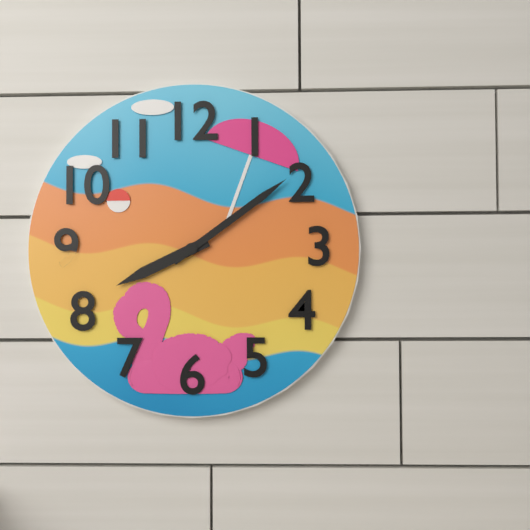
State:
8,09
